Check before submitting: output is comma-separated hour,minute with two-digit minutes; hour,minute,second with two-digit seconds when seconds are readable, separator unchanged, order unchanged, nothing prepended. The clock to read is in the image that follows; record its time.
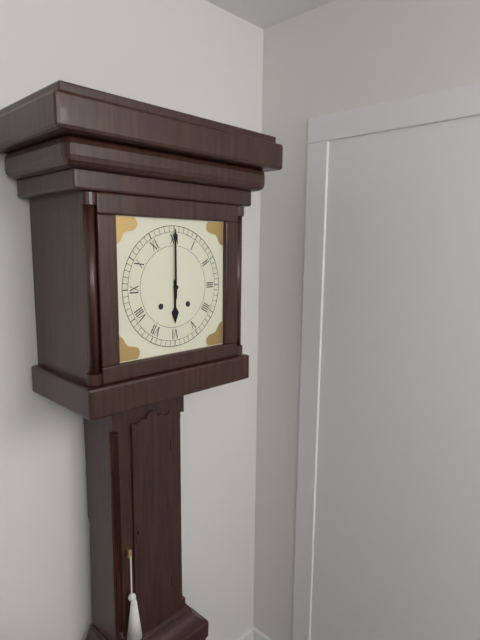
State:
6,00
